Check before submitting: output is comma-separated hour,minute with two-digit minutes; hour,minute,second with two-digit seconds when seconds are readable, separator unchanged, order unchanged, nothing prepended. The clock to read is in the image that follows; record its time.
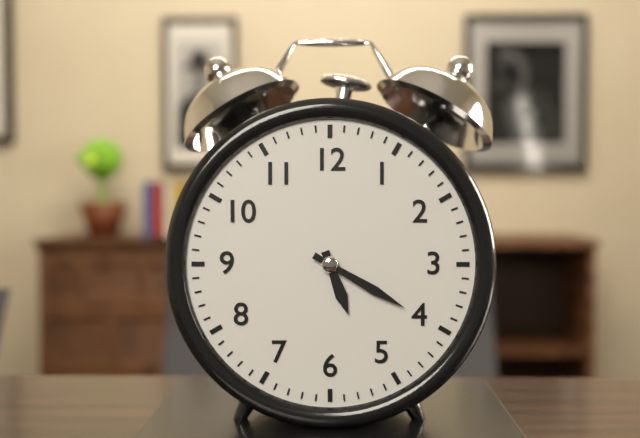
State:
5,20
